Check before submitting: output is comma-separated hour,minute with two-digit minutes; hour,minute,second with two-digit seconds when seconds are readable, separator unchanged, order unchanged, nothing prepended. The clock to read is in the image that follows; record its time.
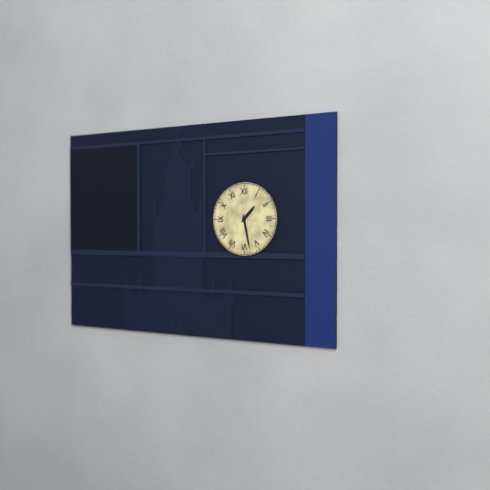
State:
1,28
